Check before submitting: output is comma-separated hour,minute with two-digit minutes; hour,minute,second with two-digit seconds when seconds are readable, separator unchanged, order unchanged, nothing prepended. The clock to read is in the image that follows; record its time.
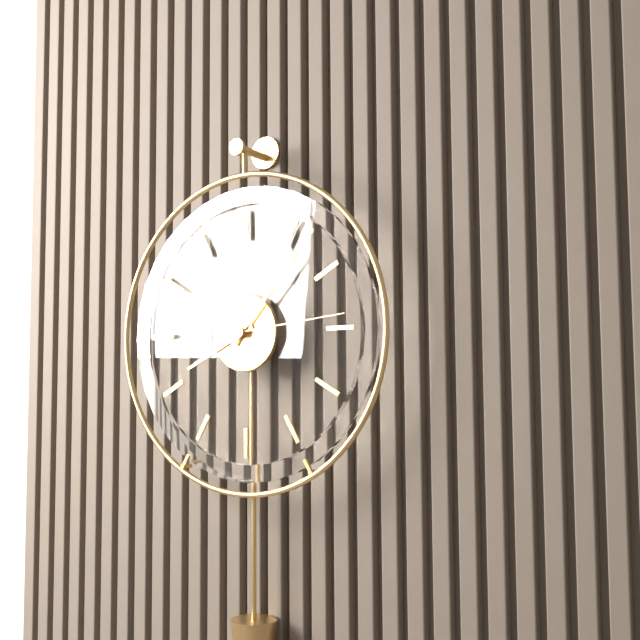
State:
8,07,14
